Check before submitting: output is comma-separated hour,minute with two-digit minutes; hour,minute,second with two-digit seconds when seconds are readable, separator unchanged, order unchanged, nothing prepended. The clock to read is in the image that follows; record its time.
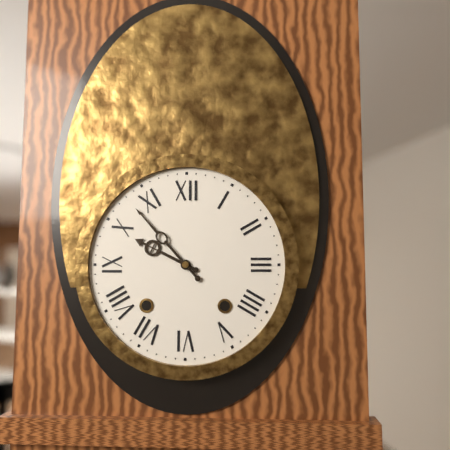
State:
9,53
